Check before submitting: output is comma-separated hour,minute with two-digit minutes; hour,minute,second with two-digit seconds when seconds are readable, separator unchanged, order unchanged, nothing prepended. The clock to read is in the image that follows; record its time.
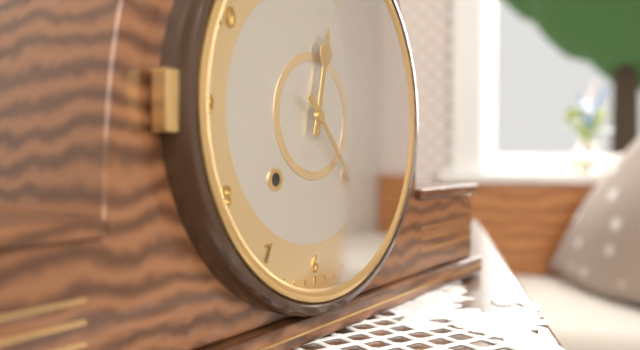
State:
12,23
